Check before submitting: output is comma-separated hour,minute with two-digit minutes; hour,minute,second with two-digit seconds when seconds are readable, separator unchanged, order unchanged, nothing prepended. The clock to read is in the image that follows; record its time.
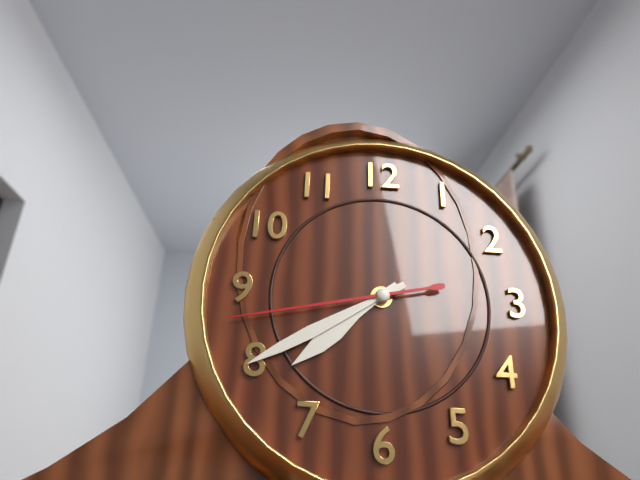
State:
7,40,43
